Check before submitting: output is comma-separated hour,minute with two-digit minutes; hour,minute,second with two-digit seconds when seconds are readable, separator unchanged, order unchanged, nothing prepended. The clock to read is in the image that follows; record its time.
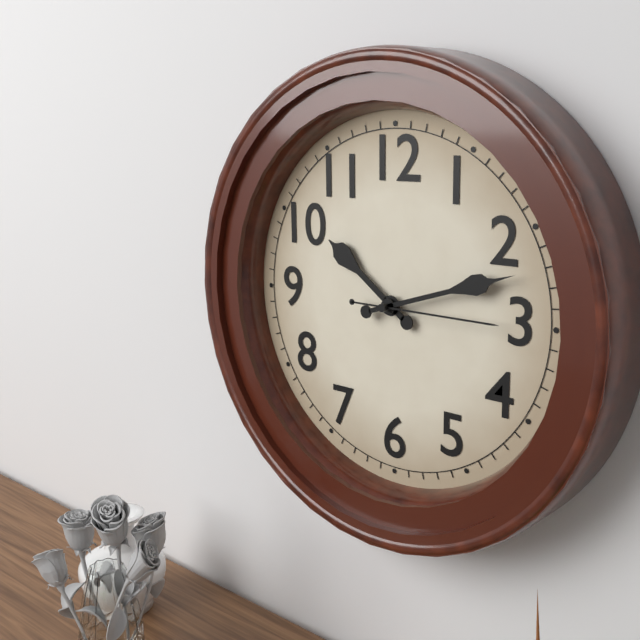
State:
10,12,15
